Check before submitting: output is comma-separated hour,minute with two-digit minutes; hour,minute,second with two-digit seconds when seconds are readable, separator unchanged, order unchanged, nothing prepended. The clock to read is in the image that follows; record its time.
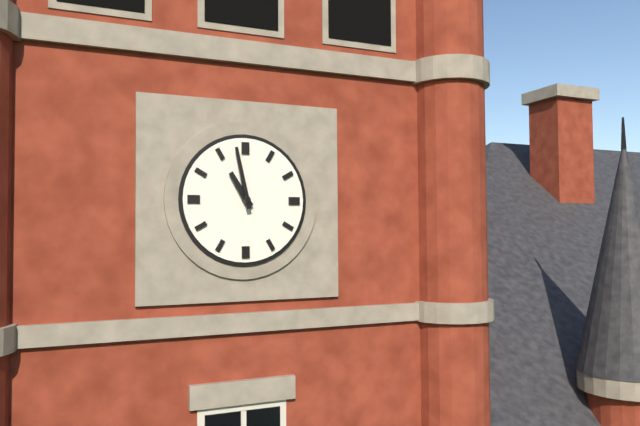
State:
10,58
